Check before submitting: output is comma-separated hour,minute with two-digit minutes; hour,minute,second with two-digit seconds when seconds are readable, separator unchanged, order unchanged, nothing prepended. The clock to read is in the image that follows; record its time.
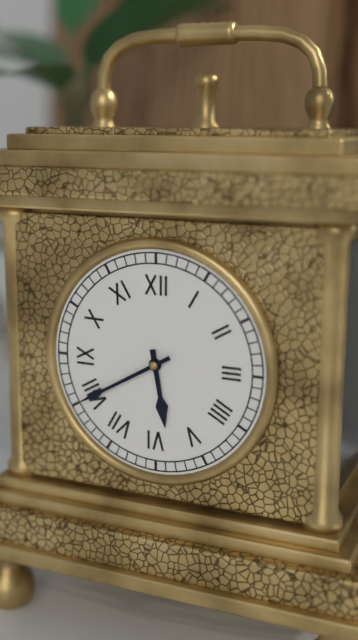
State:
5,40
